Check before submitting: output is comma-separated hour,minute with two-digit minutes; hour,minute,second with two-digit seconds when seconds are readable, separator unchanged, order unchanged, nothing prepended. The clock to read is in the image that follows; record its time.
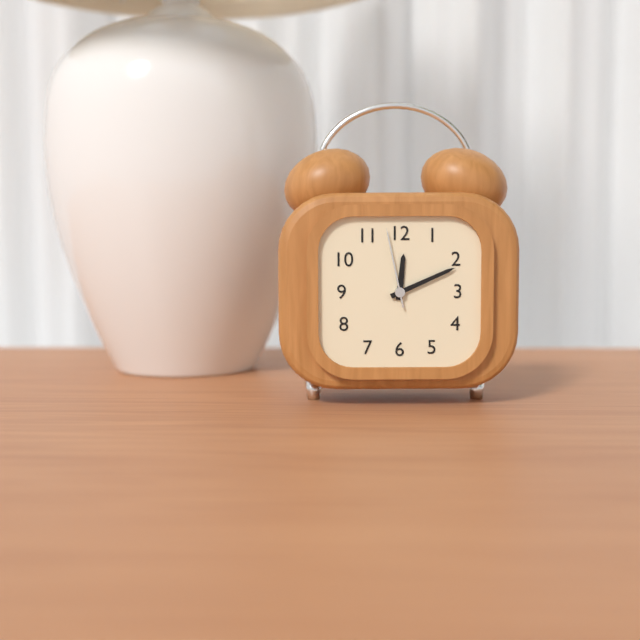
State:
12,11,58
